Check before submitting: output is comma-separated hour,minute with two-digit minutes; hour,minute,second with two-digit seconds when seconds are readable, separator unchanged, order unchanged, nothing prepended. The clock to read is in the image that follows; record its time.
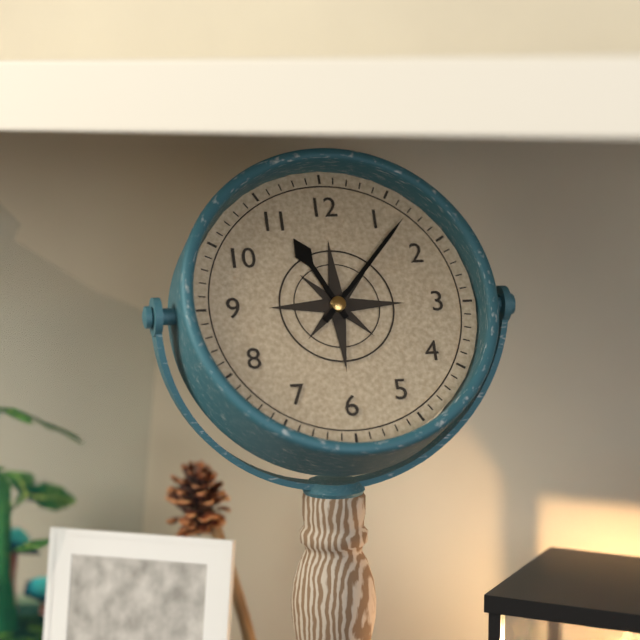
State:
11,07
